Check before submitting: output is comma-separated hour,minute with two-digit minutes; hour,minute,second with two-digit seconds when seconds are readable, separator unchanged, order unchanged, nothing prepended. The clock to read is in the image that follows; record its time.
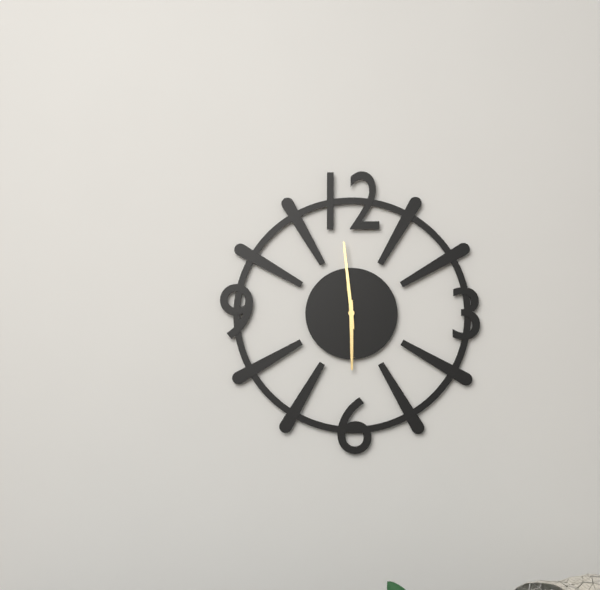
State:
5,59
